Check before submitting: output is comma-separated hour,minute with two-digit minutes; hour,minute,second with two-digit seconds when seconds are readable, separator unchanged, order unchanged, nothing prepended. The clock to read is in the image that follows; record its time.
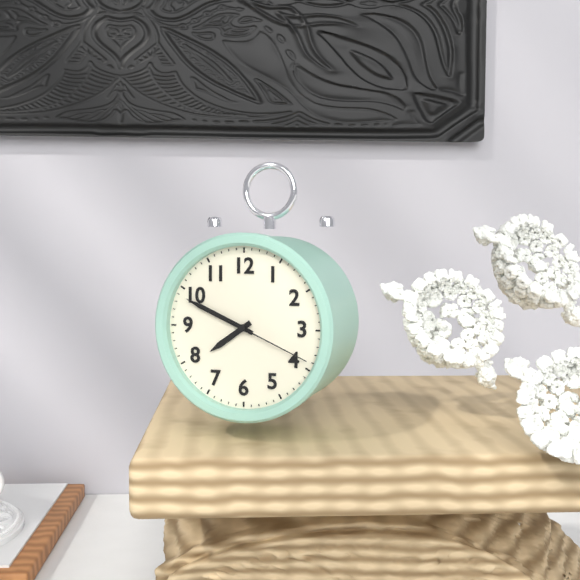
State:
7,49,19
